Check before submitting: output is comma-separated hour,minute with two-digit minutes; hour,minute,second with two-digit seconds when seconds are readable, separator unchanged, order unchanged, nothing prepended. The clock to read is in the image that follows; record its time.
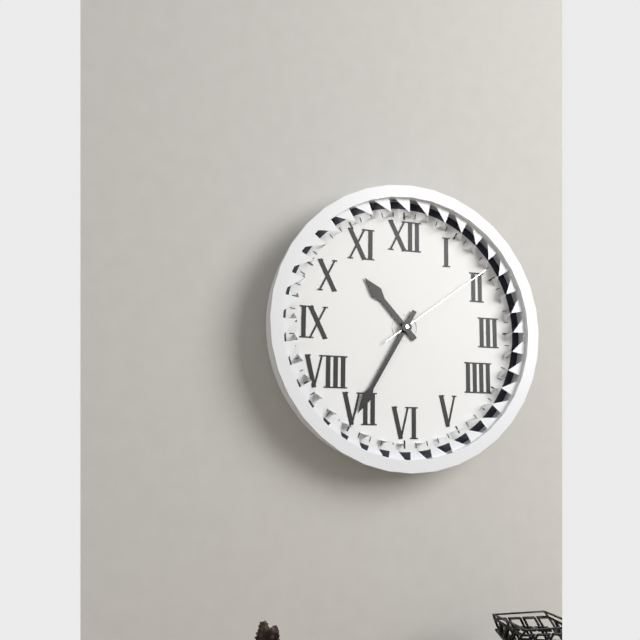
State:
10,35,09
